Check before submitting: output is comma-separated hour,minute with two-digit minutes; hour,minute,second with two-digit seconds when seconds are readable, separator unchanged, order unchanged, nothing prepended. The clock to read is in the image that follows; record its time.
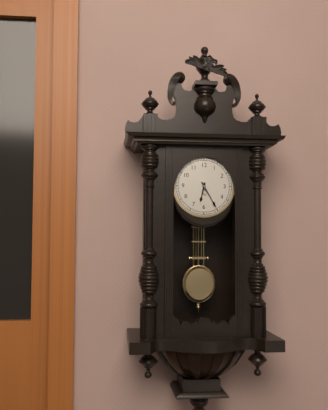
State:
6,25
